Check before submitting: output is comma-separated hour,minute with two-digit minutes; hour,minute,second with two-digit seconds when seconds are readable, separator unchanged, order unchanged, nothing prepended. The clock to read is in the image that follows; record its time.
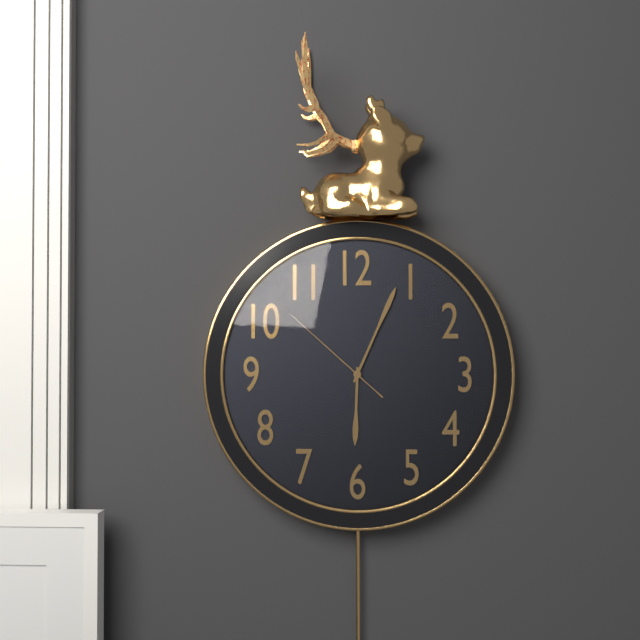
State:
6,04,52
